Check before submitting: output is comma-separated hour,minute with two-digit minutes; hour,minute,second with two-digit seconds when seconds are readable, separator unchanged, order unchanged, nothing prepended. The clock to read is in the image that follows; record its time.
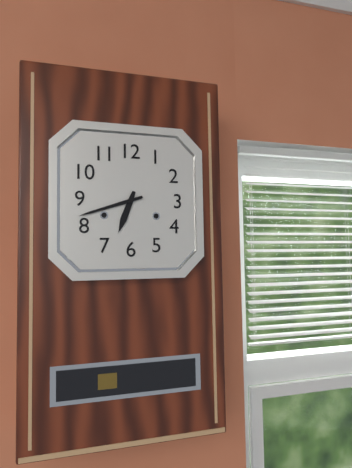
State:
6,42
